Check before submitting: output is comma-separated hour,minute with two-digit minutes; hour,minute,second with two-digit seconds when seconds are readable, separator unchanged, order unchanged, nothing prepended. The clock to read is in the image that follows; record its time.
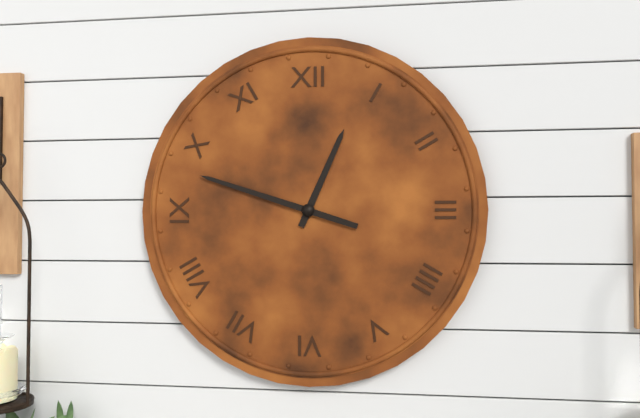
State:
12,48
